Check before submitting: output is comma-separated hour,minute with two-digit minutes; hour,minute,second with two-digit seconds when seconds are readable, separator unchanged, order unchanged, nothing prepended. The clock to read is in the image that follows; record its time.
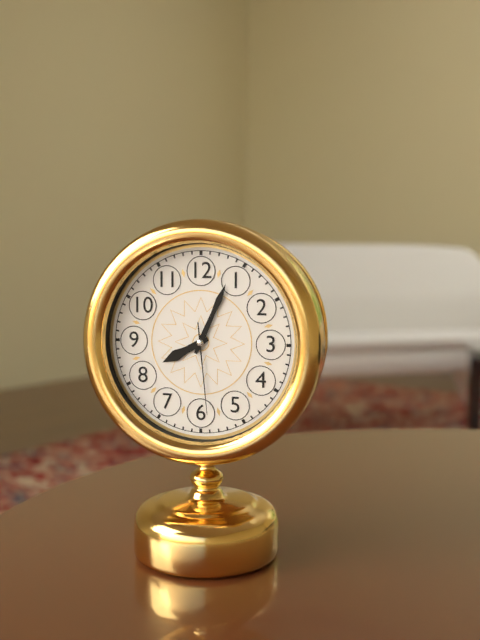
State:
8,04,29
